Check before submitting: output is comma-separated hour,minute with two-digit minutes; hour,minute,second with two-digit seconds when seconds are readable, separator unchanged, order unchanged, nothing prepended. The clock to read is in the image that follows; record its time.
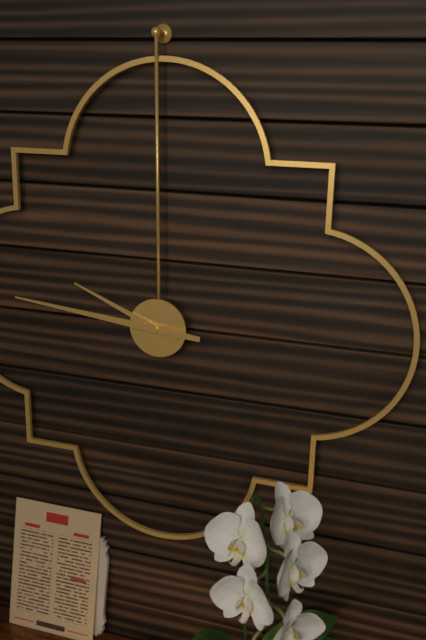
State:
9,46
